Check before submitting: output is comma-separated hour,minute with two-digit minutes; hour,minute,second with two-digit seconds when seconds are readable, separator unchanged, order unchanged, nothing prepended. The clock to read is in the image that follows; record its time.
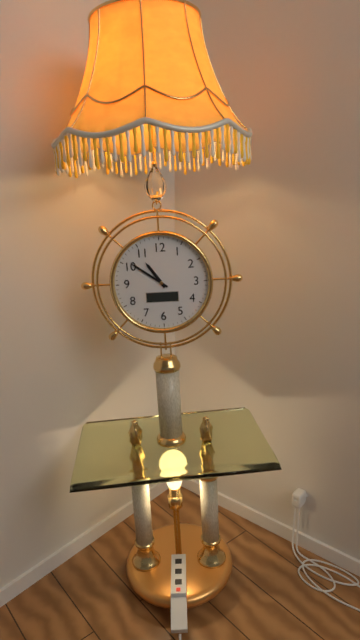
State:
10,51
